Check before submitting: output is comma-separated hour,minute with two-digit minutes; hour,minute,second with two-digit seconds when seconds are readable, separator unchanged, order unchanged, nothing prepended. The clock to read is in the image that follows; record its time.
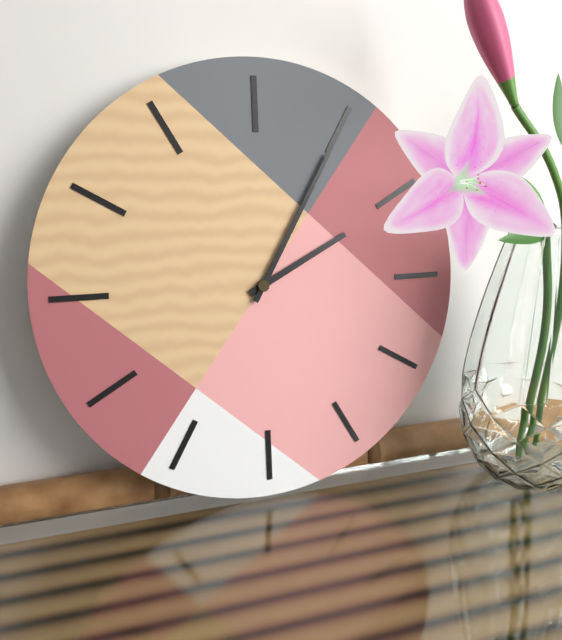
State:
2,05
